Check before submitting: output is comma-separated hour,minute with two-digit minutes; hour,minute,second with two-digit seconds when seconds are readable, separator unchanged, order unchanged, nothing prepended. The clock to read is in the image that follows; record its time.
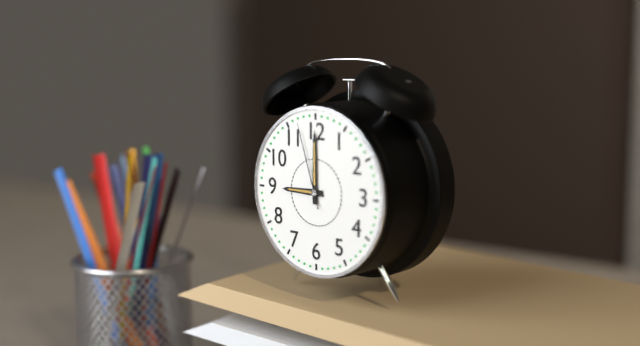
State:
9,00,57
